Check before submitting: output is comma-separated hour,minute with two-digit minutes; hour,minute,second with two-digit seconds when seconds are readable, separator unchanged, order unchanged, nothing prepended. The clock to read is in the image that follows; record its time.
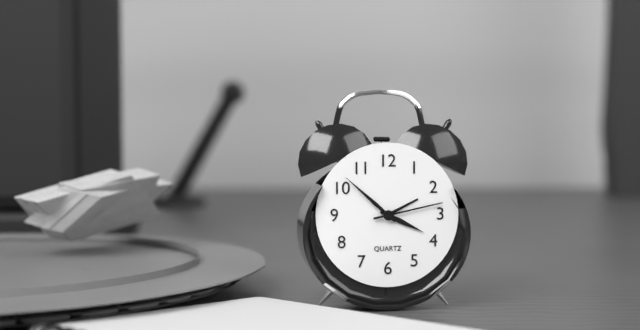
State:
3,52,13
